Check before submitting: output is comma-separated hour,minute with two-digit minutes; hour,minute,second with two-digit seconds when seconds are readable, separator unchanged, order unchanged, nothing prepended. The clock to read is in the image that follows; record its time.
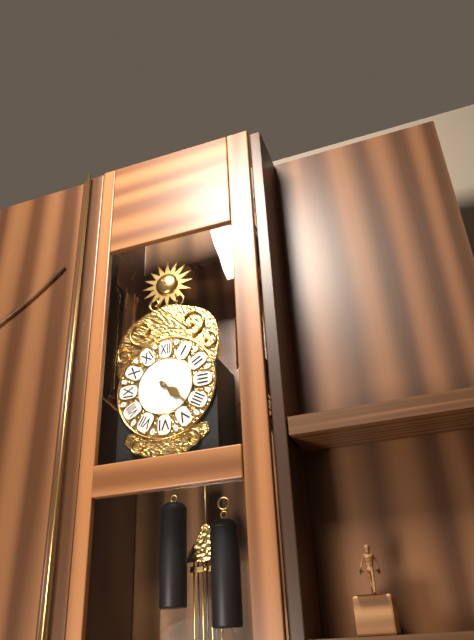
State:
4,22
